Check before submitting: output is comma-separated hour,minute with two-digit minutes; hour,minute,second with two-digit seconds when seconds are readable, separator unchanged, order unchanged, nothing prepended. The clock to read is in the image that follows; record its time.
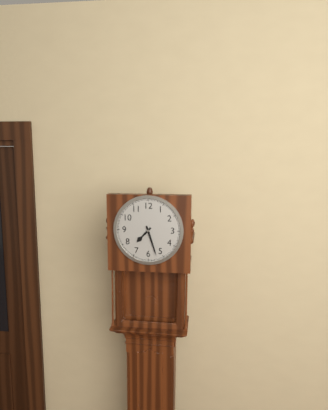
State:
7,27
